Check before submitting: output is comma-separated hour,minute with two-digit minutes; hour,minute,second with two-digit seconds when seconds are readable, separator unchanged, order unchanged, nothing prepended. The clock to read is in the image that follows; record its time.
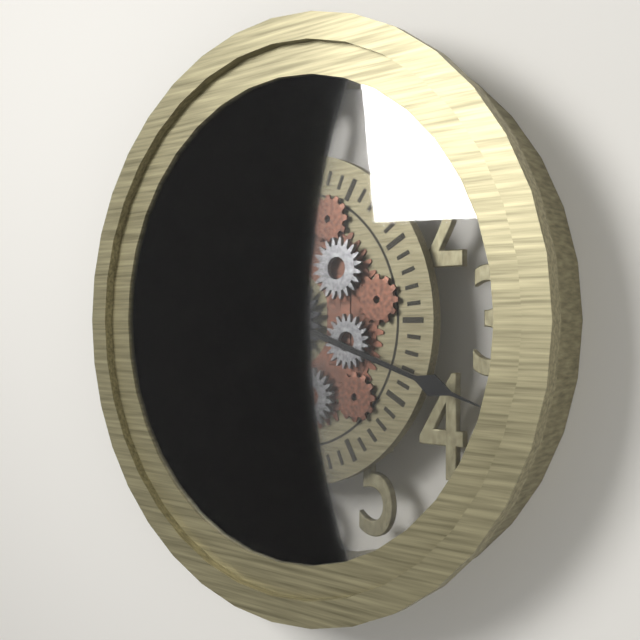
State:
12,18
